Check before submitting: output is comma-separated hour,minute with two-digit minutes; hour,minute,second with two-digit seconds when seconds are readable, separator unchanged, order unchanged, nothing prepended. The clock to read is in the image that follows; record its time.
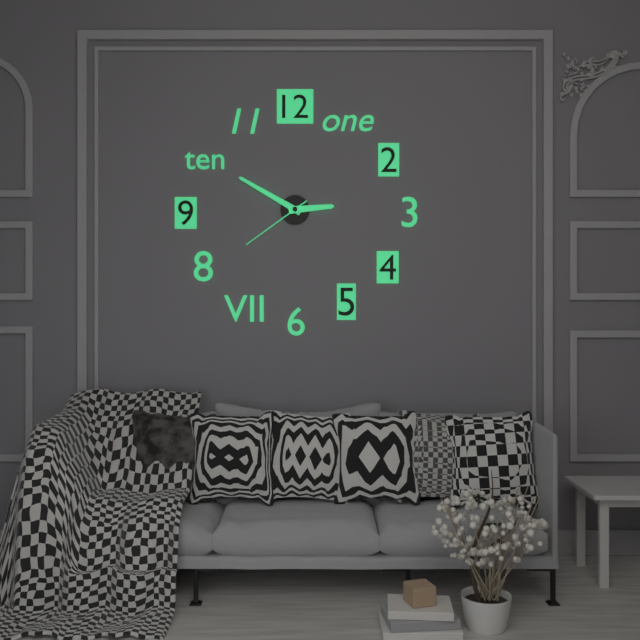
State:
2,50,39
